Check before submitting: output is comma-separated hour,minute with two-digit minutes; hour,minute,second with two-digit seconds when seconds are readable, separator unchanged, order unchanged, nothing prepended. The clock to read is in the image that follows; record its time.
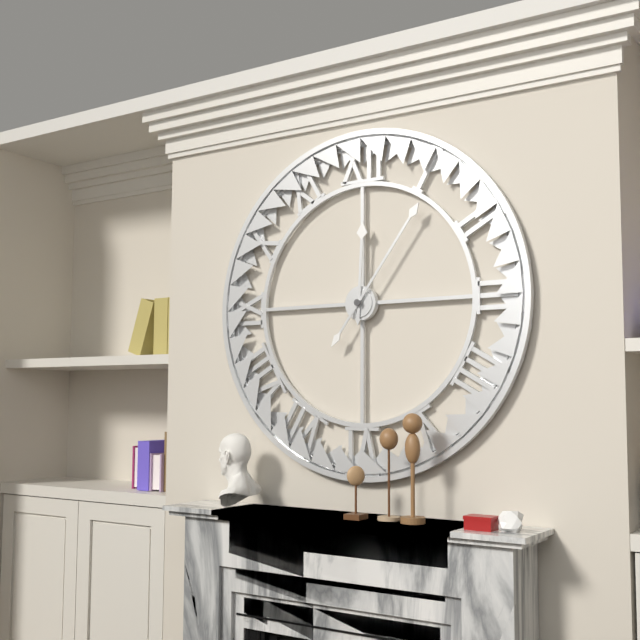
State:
12,06
